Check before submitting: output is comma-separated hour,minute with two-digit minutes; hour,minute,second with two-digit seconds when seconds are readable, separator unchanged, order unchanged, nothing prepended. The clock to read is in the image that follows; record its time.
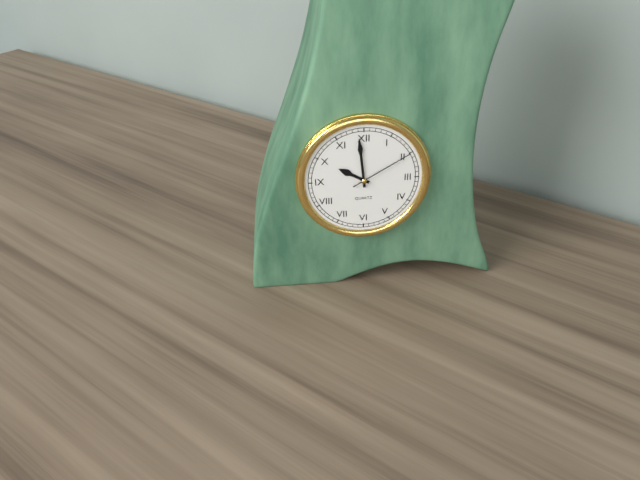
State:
9,59,10
